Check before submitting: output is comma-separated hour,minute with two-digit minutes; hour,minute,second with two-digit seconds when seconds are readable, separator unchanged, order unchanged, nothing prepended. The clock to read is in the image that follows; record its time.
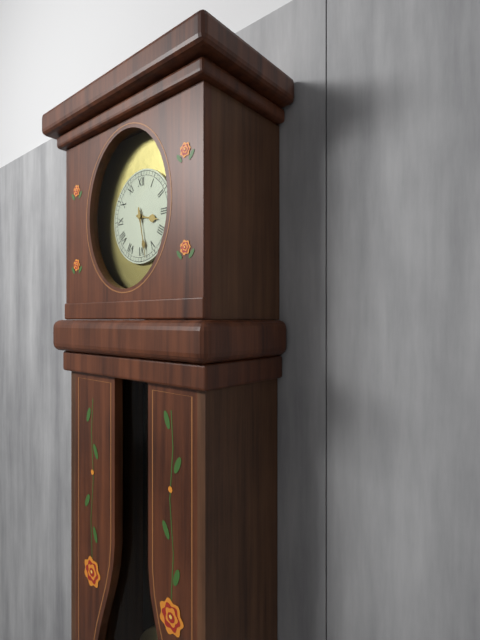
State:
3,28
